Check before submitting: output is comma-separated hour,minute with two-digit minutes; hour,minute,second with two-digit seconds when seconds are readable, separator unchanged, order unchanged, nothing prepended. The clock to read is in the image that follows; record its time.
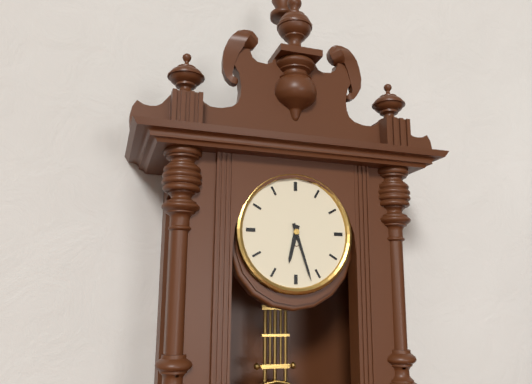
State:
6,27
